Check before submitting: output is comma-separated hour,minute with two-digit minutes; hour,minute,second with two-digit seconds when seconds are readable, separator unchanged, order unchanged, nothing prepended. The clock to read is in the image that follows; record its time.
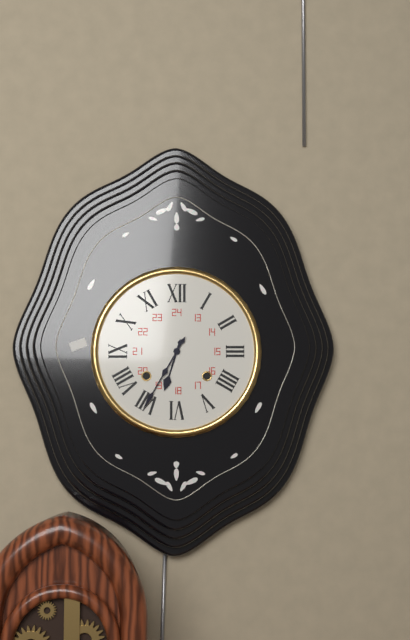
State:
6,35
